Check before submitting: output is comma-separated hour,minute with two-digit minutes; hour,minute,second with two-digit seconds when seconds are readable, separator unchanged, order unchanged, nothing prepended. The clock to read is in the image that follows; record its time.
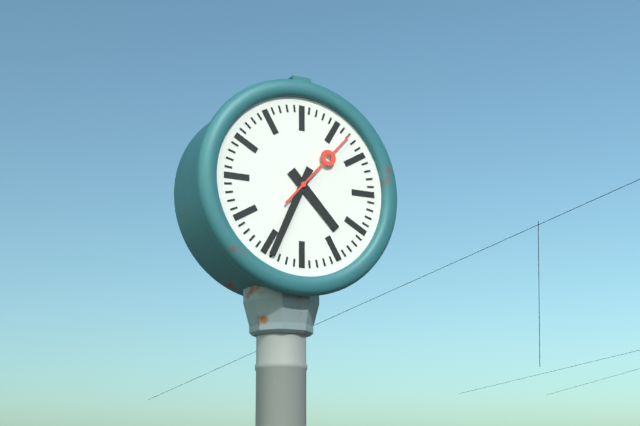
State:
4,34,07
